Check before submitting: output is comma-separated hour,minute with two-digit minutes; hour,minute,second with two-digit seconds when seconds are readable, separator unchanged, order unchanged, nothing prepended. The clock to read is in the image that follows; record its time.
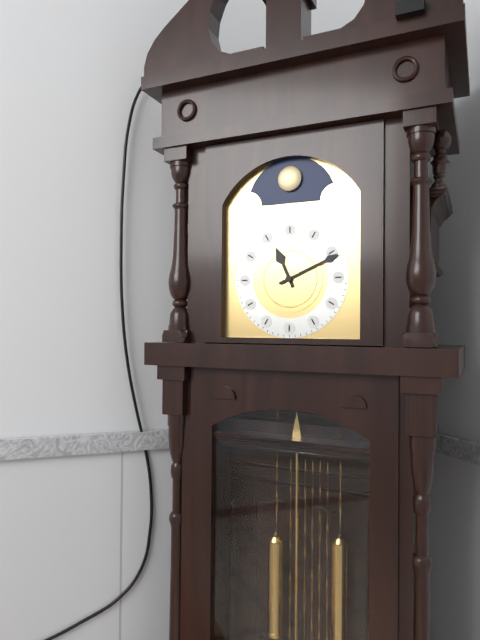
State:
11,11
